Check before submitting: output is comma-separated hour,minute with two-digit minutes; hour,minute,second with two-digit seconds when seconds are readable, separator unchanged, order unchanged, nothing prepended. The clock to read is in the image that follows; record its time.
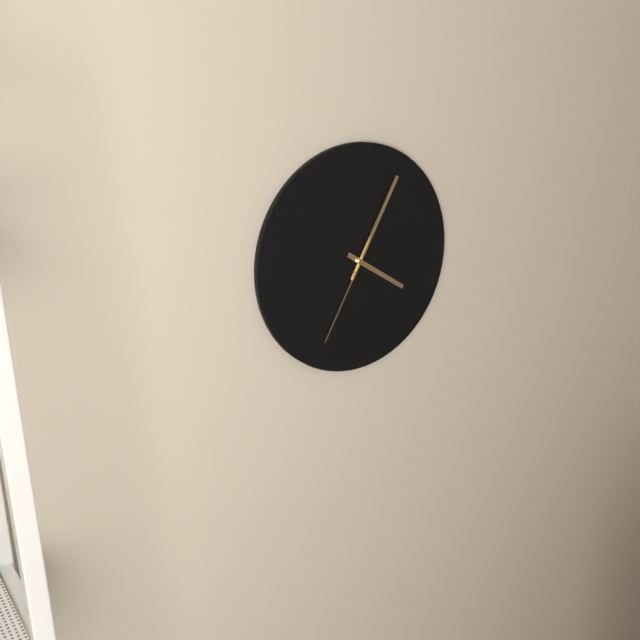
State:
4,05,35
